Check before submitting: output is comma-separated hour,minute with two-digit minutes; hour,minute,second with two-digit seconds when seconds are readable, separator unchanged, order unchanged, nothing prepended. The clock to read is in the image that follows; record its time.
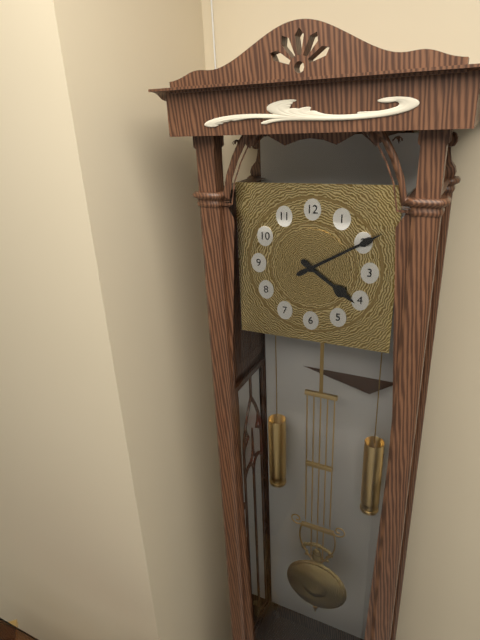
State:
4,10
